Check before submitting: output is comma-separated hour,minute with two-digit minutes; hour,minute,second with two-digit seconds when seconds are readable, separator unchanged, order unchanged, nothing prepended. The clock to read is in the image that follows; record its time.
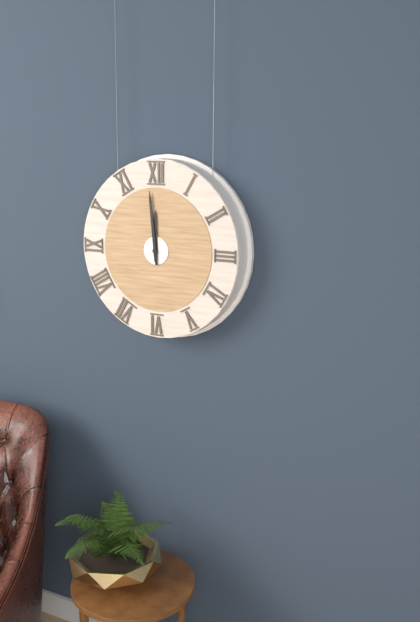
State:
11,59
